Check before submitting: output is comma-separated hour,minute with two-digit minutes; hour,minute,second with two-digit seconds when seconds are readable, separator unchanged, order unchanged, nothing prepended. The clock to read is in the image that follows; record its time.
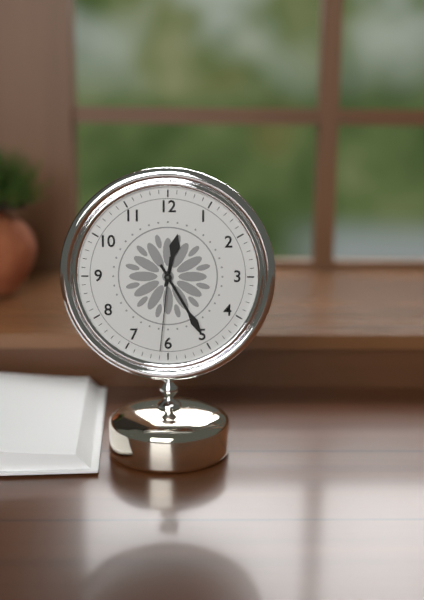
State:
12,25,31
